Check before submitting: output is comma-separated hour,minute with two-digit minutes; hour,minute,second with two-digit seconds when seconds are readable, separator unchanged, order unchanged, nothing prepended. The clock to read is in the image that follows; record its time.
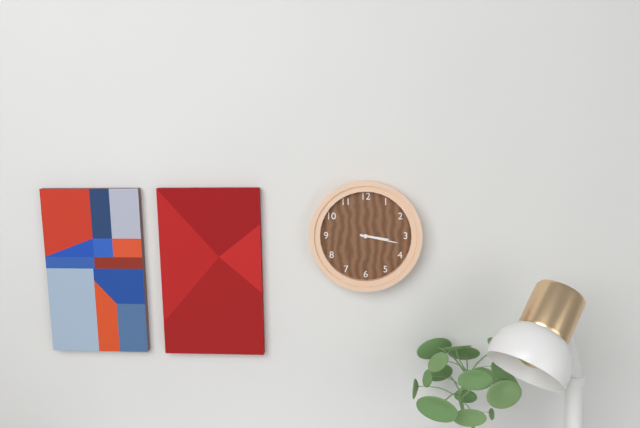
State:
3,17
